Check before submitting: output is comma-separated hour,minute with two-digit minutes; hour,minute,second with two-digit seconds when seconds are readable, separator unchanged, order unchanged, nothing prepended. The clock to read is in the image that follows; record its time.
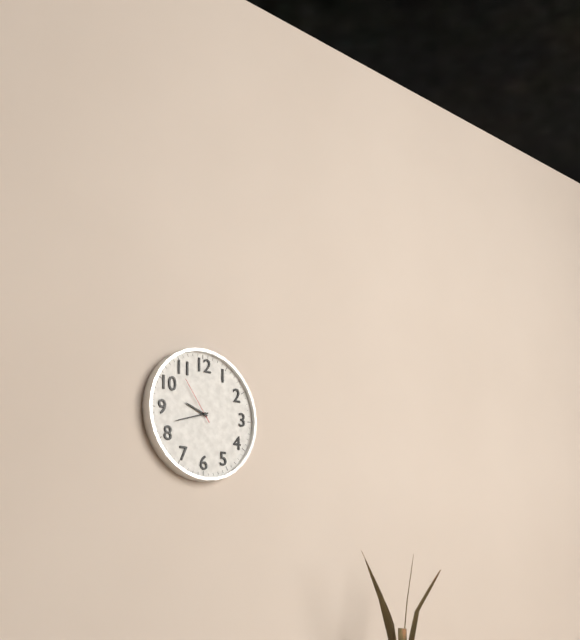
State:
9,42,54
